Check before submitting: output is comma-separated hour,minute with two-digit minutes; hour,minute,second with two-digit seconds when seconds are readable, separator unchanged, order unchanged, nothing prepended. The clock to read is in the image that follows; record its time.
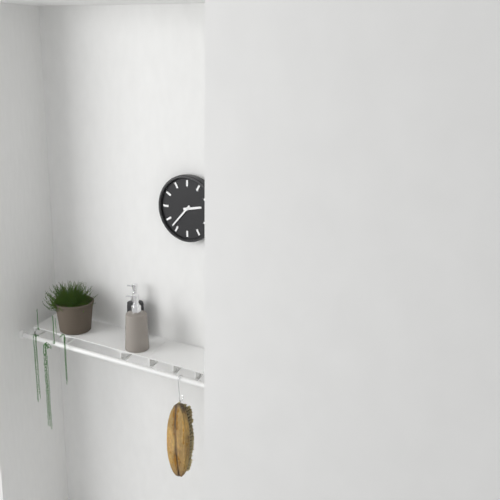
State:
2,37
